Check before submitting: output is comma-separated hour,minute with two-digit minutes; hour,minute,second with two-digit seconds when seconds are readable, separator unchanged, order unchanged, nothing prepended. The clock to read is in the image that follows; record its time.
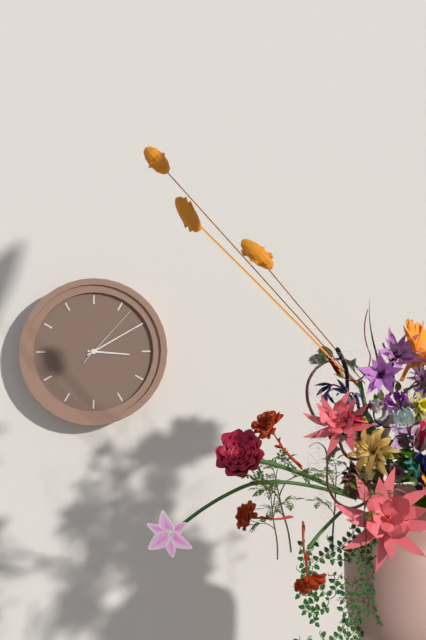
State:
3,10,07
